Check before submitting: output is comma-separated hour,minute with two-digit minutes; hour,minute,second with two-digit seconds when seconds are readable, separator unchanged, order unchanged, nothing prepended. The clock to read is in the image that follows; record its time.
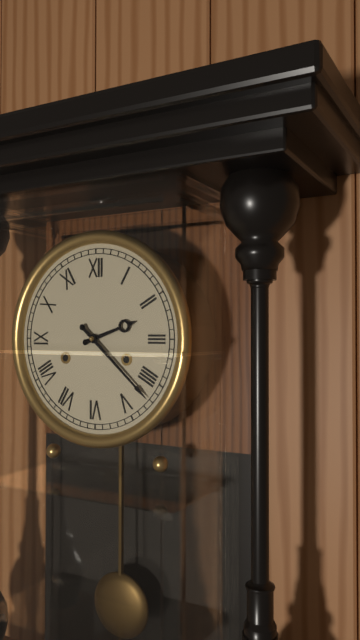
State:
2,22
